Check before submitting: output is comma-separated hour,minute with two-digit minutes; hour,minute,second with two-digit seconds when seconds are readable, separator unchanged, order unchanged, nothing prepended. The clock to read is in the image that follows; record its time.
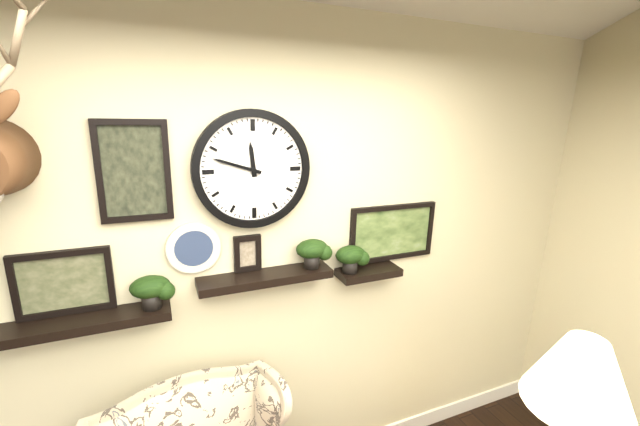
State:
11,48
